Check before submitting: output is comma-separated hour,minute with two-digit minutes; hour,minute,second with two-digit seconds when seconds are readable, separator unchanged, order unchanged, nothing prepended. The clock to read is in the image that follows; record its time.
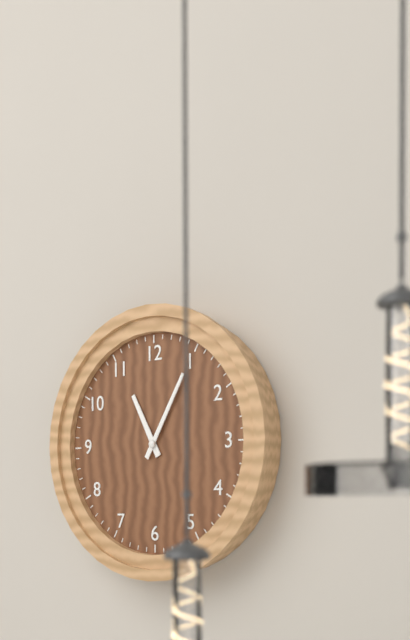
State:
11,05
